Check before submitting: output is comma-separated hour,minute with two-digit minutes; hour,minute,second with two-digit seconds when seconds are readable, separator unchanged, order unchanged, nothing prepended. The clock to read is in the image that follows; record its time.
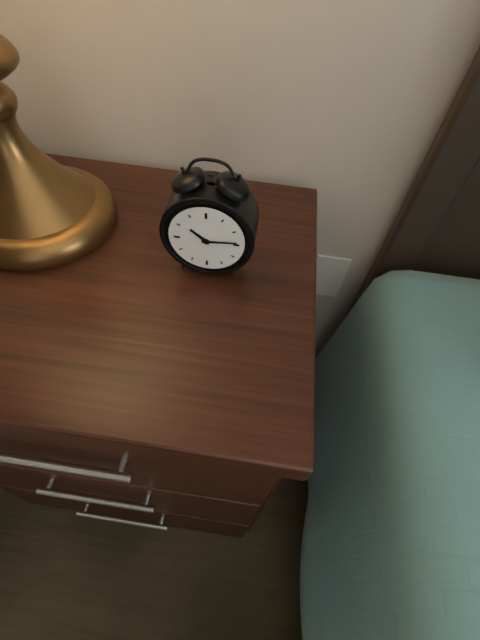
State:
10,14
